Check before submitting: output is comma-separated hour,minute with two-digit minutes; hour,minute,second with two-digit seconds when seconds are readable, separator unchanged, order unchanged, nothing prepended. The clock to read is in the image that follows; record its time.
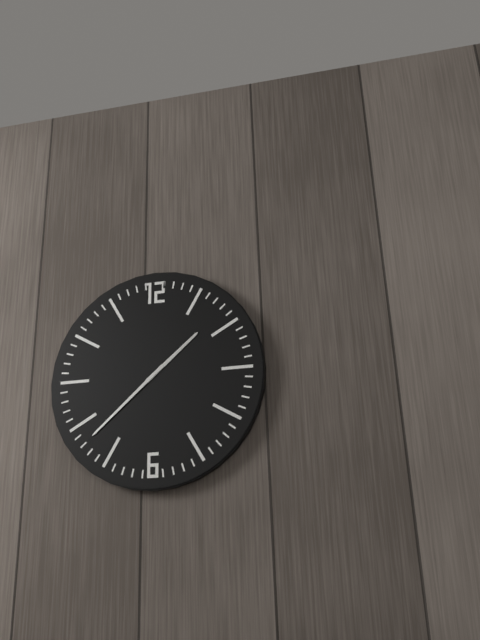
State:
1,38
